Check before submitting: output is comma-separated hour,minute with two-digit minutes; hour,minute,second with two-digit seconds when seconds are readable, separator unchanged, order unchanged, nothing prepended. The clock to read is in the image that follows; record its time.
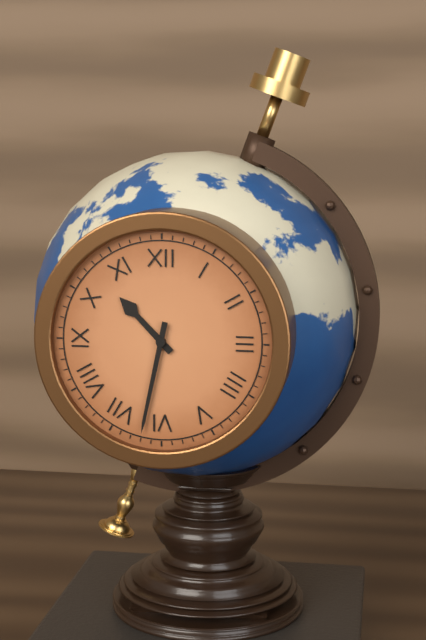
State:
10,32
